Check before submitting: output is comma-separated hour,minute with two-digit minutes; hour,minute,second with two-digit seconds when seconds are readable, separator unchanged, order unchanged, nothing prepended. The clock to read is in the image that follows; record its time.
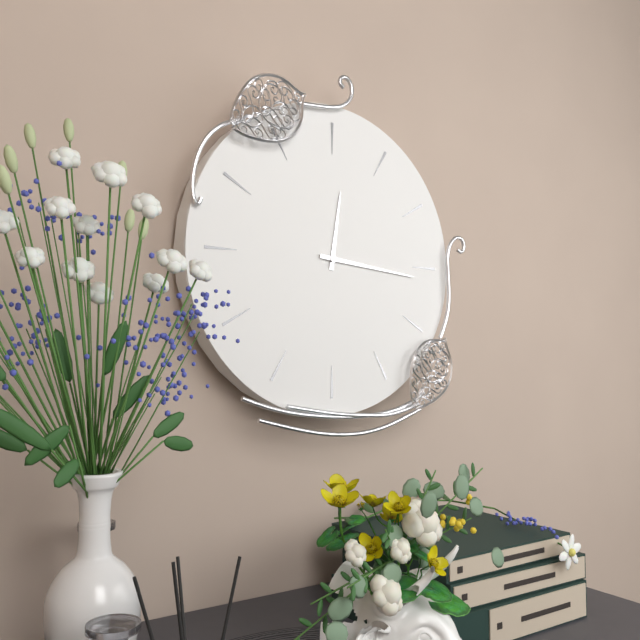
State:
12,16
